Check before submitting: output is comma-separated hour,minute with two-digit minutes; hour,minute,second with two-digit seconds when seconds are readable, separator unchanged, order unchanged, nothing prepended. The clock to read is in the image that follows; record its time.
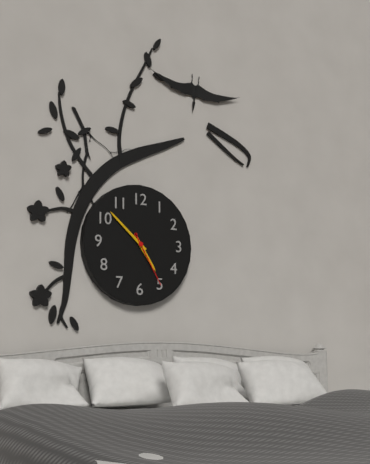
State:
4,52,25
